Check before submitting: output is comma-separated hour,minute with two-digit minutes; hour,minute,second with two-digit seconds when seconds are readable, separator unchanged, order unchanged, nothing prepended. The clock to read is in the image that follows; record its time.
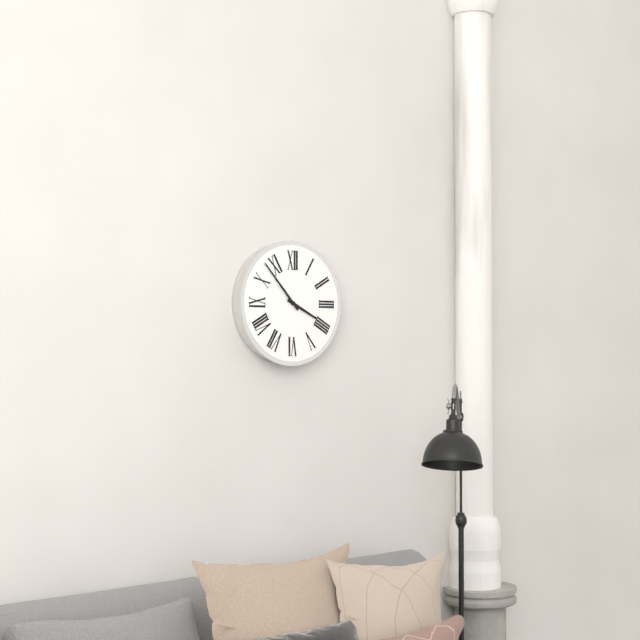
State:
3,53
